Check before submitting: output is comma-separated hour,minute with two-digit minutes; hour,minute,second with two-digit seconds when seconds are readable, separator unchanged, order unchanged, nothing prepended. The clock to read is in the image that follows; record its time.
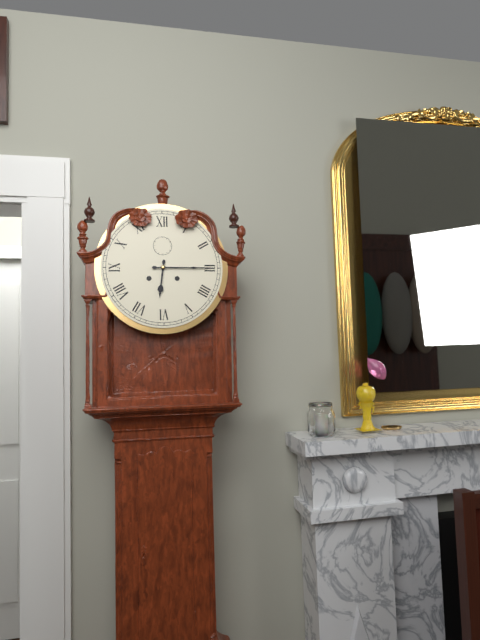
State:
6,15
